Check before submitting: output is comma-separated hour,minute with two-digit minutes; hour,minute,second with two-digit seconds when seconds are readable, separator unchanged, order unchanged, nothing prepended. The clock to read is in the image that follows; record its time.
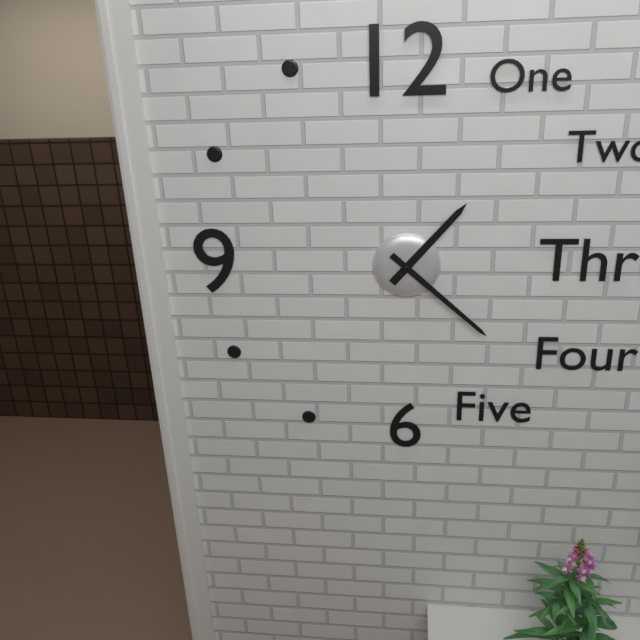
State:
1,22
